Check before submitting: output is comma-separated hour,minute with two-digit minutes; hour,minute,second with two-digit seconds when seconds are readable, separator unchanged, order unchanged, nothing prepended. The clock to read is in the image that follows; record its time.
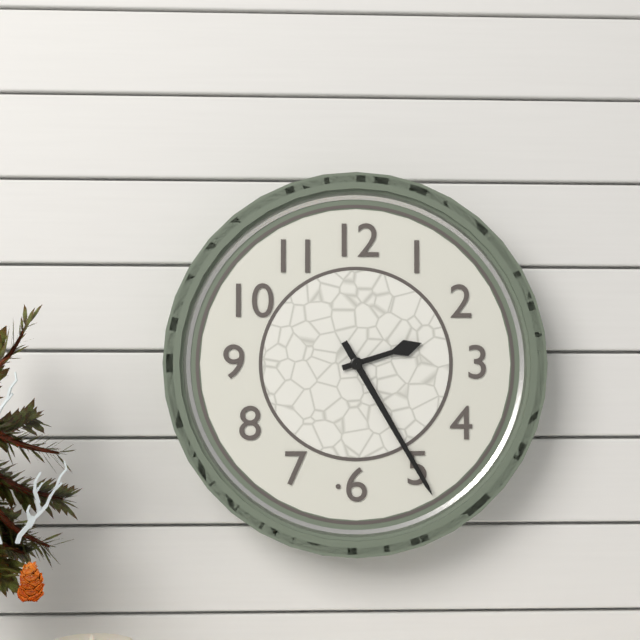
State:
2,25
